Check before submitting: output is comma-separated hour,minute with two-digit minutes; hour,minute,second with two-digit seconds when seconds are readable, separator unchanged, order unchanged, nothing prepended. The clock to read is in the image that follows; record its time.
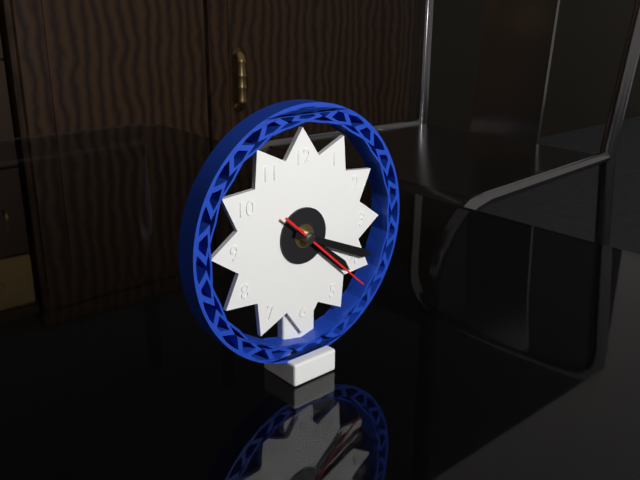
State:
4,19,22
